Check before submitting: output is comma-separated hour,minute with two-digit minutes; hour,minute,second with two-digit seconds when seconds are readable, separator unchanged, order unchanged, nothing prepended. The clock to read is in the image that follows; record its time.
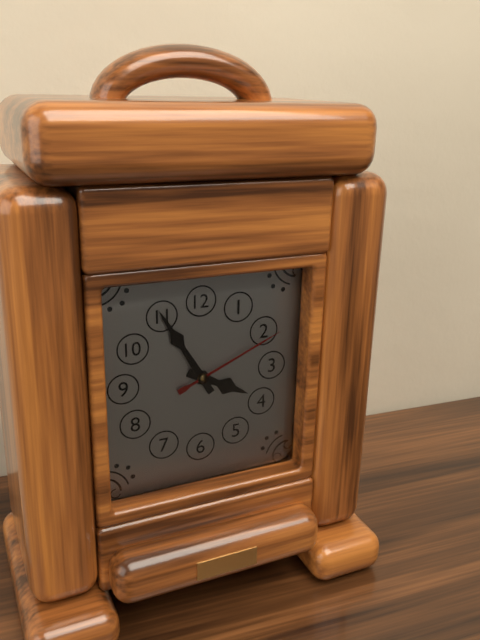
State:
3,55,11
